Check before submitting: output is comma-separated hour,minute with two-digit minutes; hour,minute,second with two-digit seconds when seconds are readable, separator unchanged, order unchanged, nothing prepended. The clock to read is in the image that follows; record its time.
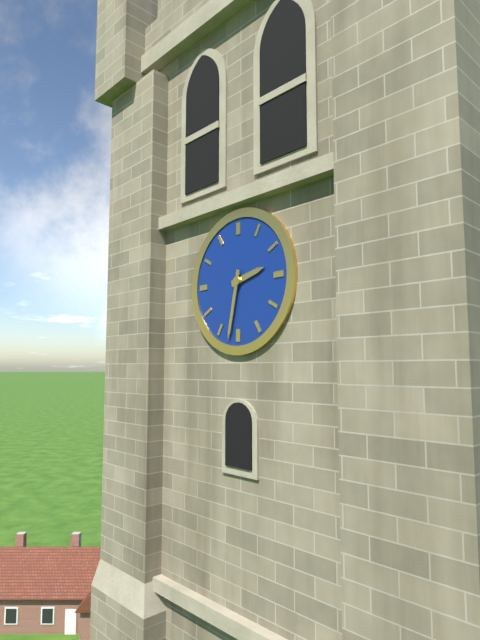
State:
2,32
